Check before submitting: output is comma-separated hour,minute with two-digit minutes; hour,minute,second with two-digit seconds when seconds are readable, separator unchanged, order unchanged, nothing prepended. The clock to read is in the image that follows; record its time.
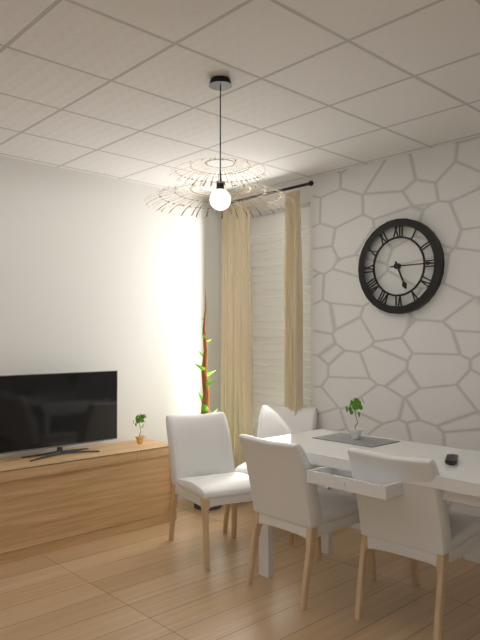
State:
5,15
